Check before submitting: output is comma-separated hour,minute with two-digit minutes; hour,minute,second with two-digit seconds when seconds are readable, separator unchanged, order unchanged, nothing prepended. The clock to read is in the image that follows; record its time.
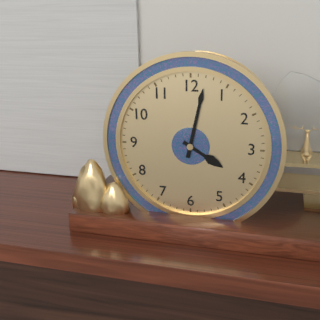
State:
4,02
